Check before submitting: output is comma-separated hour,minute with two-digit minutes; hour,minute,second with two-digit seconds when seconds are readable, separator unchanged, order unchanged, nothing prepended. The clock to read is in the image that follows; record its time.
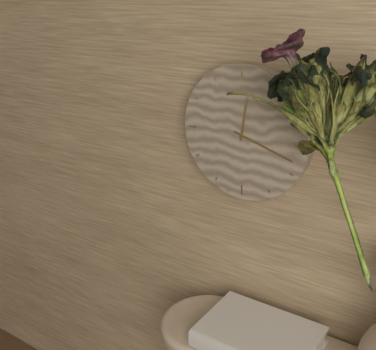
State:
12,18
